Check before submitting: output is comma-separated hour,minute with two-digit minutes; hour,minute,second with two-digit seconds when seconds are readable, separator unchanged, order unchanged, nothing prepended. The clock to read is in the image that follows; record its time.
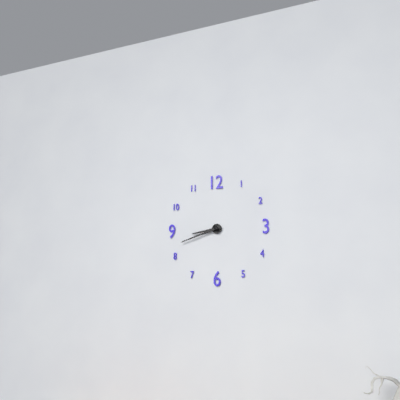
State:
8,42
